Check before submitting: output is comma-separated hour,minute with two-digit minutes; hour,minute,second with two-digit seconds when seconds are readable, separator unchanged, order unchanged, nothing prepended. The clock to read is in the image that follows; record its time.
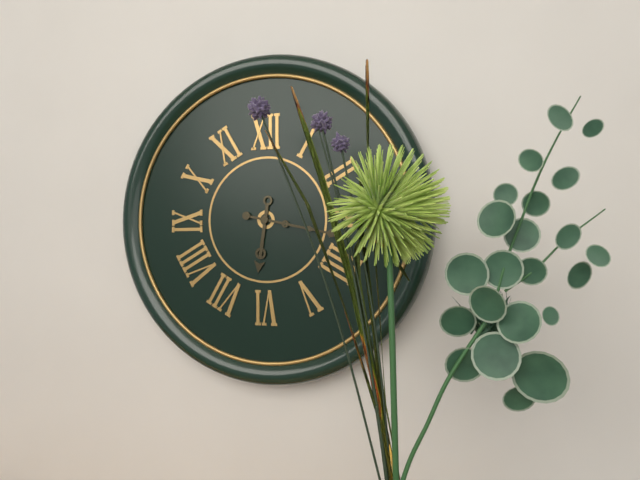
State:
6,17
